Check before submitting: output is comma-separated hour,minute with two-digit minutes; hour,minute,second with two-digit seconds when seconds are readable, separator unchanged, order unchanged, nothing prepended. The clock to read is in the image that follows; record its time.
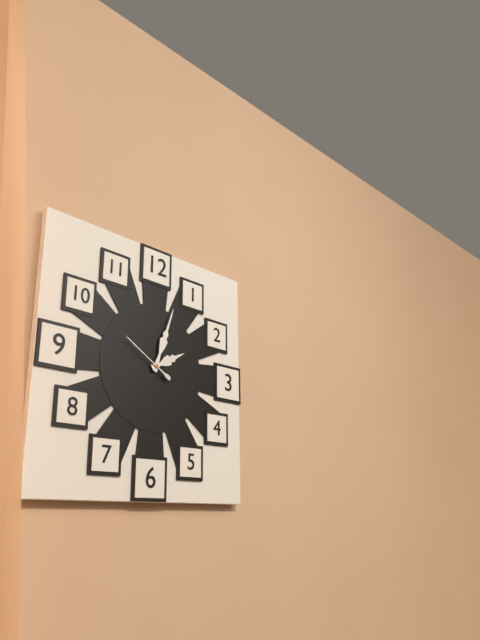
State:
2,03,50
